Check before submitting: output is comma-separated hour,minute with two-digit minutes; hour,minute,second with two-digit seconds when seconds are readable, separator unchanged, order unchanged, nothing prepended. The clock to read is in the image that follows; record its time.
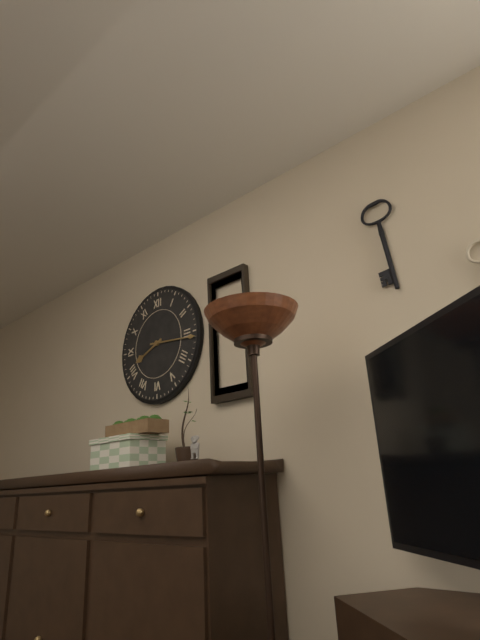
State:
8,16
